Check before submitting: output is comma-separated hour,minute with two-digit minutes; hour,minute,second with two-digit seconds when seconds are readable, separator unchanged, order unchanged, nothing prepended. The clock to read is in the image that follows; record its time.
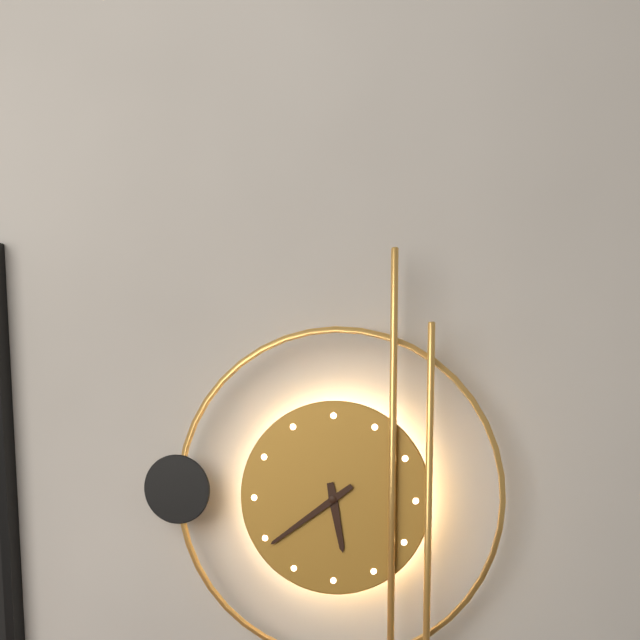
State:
5,39
